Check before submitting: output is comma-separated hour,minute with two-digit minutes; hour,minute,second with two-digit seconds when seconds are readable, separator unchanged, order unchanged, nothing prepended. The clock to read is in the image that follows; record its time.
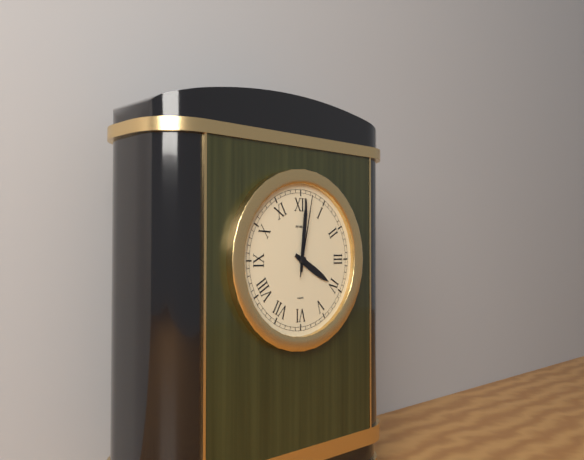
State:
4,01,02
